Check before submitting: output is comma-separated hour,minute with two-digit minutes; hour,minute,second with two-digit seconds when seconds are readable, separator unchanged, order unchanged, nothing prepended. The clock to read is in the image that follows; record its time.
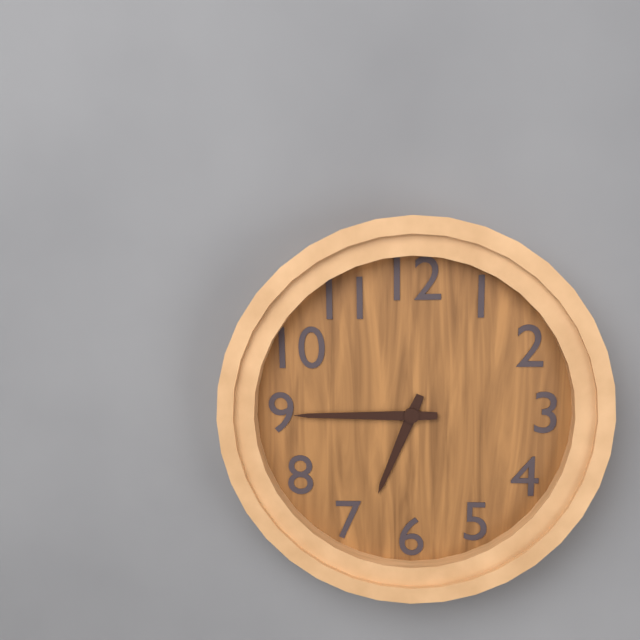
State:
6,45
